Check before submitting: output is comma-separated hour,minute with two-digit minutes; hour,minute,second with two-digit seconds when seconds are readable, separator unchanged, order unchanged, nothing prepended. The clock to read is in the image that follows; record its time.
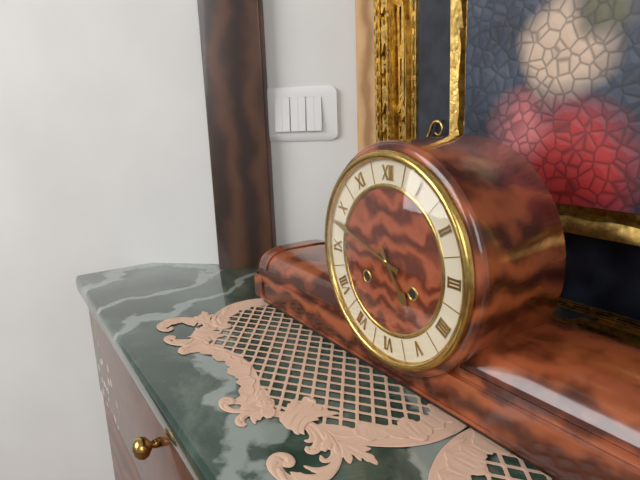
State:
4,48
